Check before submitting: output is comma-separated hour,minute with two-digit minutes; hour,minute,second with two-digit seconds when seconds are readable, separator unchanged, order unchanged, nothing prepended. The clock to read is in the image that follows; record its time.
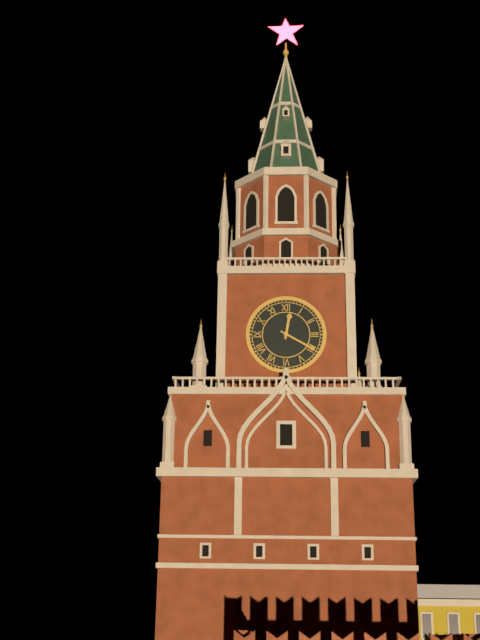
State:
12,20
